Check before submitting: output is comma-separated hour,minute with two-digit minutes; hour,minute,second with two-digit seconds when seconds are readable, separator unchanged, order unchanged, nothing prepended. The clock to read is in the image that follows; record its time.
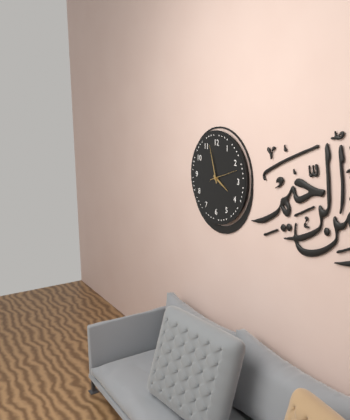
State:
3,57
